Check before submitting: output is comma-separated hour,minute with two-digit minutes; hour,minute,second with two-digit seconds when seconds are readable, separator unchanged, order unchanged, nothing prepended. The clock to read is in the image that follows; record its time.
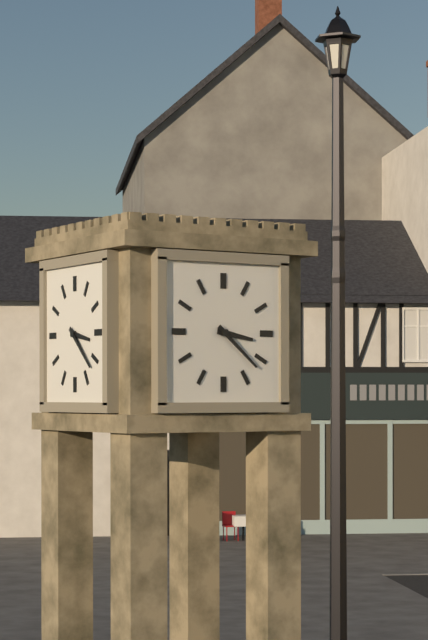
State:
3,22
